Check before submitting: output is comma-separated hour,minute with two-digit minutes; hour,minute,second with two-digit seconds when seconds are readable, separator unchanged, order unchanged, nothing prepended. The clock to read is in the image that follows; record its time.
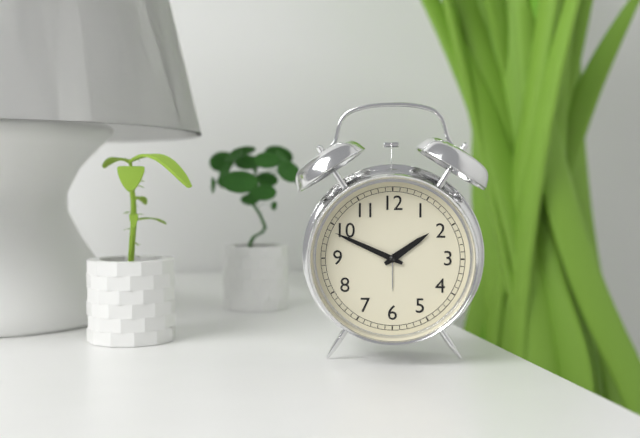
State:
1,49
